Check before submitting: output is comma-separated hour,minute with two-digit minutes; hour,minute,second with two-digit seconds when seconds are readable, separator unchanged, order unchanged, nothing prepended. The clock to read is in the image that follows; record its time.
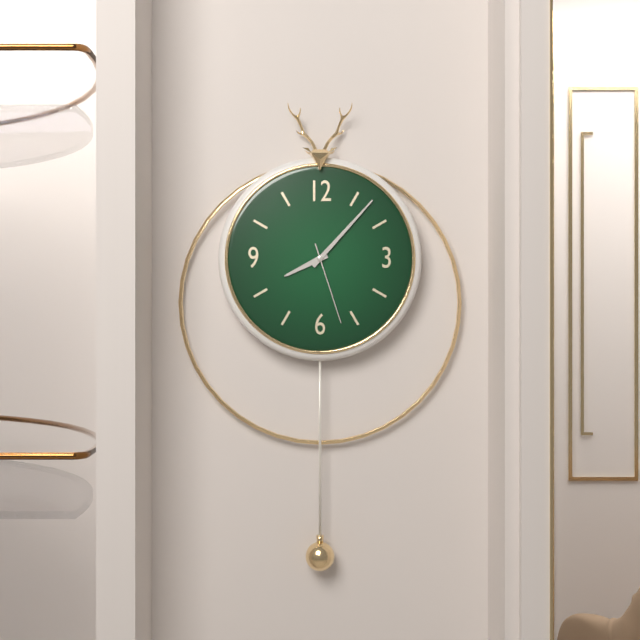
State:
8,07,27
